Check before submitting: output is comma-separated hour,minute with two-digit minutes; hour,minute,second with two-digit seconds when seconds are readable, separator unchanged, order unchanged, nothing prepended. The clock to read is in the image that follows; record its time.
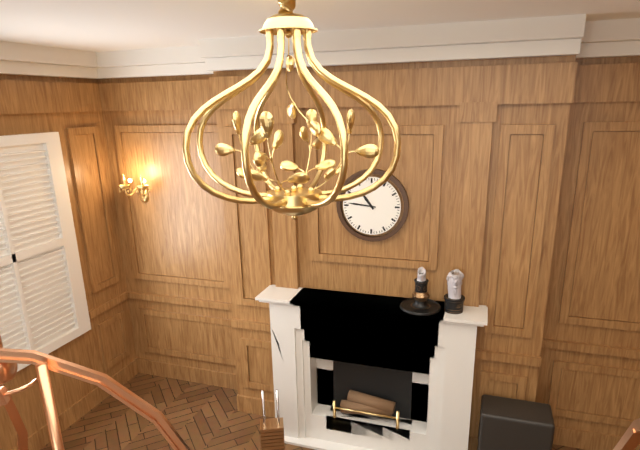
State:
10,46
